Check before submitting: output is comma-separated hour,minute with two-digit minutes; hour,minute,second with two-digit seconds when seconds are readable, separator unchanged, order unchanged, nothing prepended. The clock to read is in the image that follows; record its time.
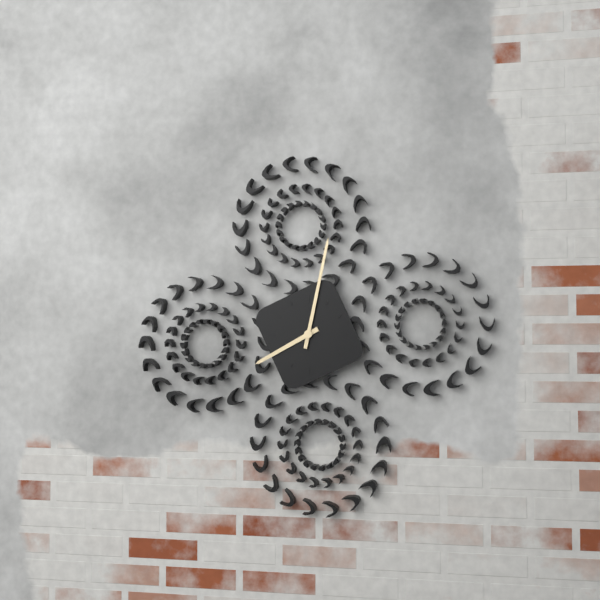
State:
8,02
